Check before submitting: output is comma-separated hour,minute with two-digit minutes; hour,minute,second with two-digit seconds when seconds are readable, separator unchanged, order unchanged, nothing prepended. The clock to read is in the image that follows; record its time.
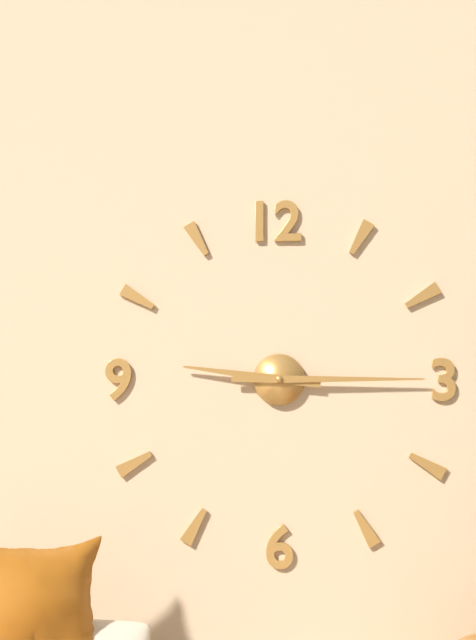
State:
9,15
